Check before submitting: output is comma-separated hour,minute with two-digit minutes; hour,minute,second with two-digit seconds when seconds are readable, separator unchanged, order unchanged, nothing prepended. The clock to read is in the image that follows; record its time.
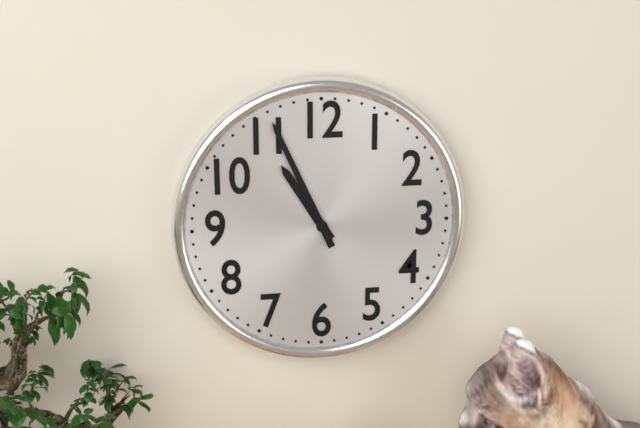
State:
10,56
